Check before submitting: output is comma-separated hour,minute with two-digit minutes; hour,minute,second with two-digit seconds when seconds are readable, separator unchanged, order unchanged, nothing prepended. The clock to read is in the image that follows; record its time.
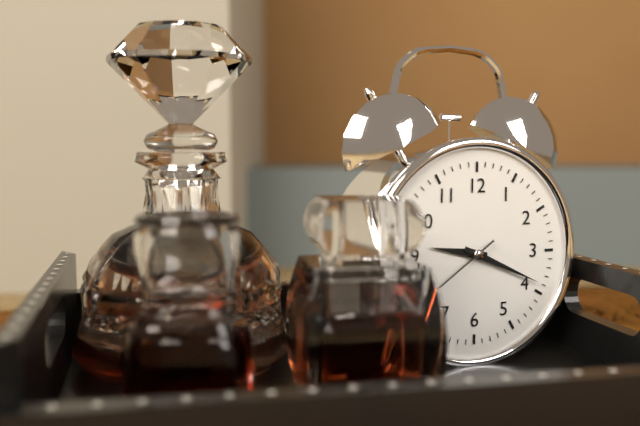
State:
9,19,39
